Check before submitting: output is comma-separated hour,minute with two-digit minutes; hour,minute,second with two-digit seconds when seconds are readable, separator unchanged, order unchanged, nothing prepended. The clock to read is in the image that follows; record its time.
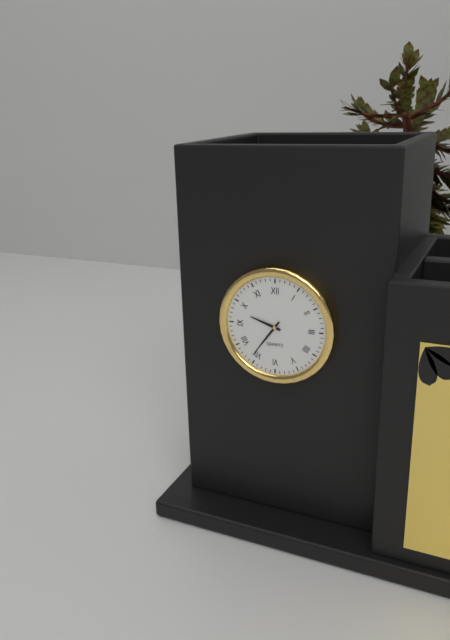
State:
9,36
